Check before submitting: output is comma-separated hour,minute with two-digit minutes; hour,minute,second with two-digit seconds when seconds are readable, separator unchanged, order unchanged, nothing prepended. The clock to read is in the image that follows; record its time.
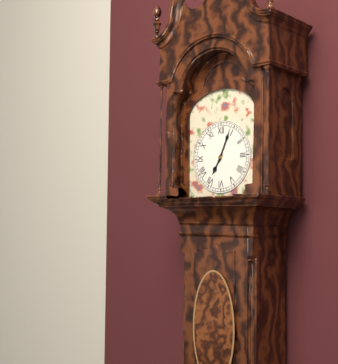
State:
7,04
